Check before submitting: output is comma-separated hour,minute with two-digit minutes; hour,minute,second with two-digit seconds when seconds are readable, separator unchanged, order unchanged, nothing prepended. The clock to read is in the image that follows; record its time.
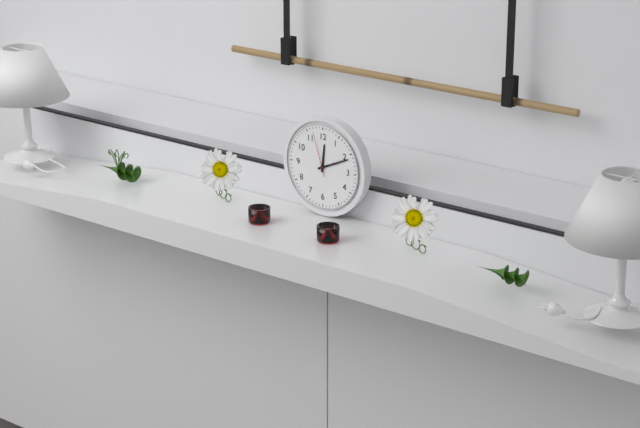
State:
12,11
